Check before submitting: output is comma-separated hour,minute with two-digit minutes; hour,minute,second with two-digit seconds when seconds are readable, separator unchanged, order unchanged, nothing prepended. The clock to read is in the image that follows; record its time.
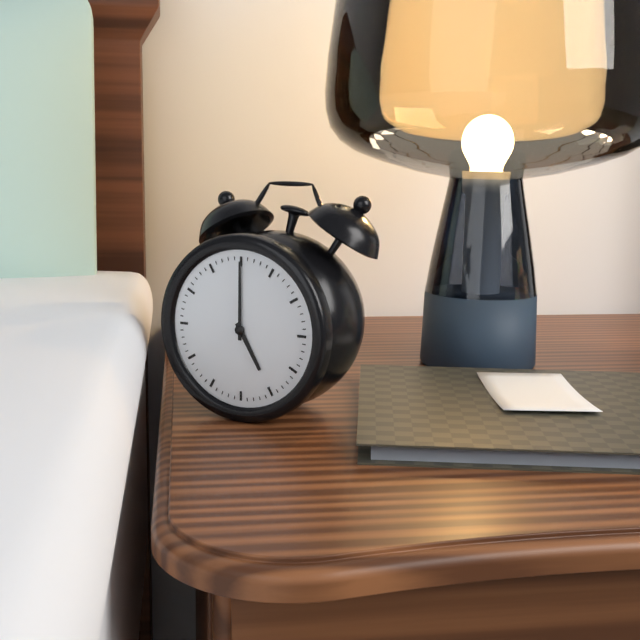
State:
5,00
